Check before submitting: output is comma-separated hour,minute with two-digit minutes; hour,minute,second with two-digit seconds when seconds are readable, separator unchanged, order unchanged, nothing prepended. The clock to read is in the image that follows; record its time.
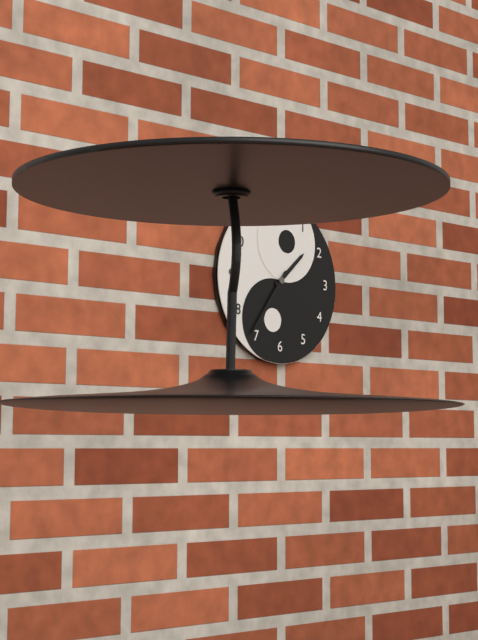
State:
1,36
